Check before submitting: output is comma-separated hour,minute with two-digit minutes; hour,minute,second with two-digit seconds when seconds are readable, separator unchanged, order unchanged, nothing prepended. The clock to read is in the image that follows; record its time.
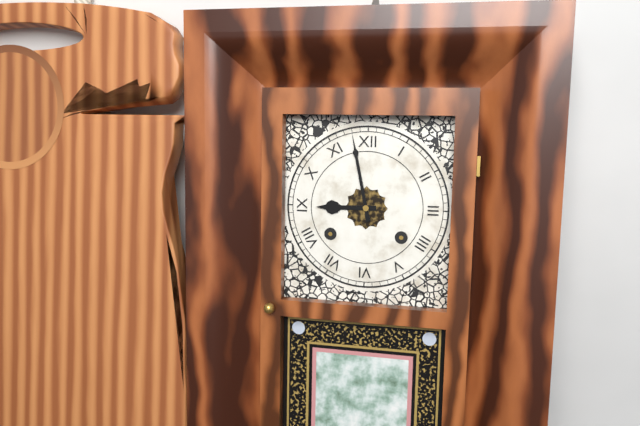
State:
8,58
